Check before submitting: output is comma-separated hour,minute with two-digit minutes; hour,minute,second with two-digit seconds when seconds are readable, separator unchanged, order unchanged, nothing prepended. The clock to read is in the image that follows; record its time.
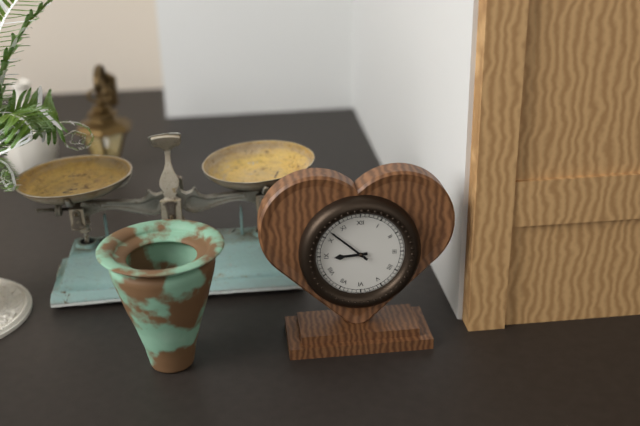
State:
8,52
